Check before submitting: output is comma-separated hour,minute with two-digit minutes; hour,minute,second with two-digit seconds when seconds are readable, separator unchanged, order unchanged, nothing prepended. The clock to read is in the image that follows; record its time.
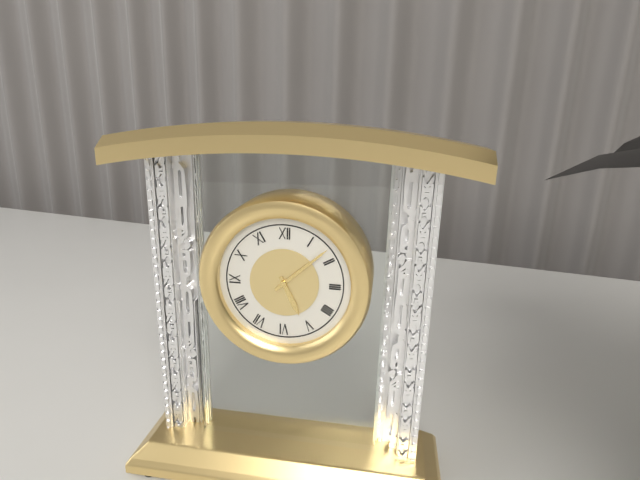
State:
5,08
